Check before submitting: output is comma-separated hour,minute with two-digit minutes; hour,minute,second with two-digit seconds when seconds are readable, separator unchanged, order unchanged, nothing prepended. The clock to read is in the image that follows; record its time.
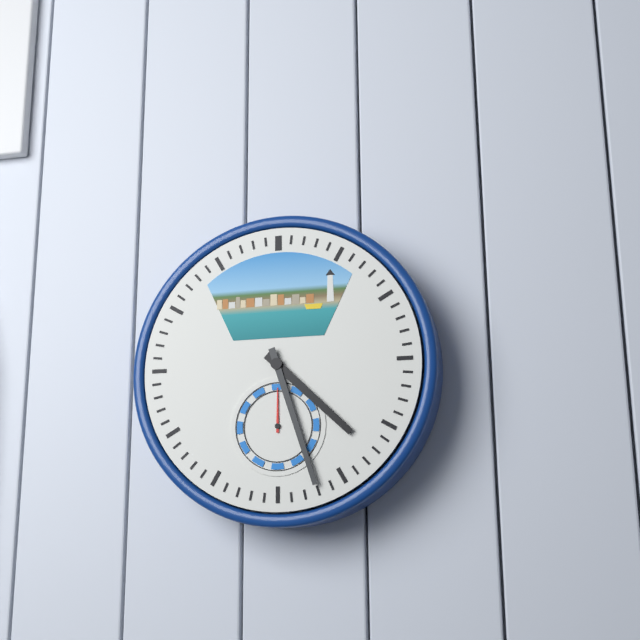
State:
4,27
